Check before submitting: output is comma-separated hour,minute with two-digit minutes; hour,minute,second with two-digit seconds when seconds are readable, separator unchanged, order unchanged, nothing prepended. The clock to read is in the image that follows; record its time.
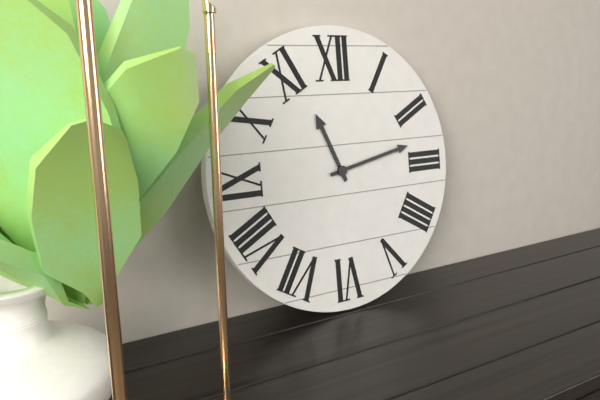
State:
11,13
